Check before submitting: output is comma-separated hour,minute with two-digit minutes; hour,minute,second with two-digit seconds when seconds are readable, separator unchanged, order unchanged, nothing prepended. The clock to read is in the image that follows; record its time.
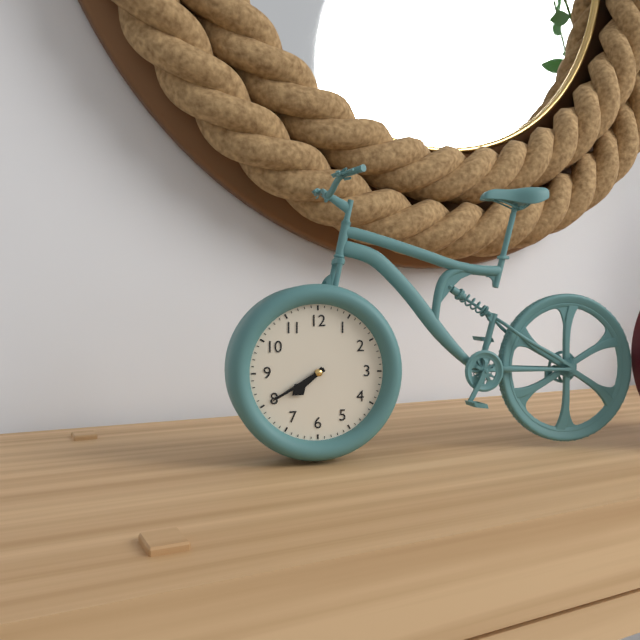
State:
7,40
